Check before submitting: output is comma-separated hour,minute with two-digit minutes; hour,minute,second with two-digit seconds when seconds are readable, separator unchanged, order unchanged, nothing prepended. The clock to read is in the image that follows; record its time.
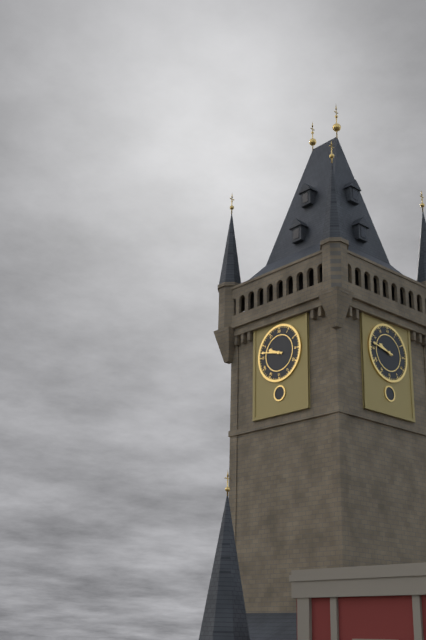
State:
9,47
